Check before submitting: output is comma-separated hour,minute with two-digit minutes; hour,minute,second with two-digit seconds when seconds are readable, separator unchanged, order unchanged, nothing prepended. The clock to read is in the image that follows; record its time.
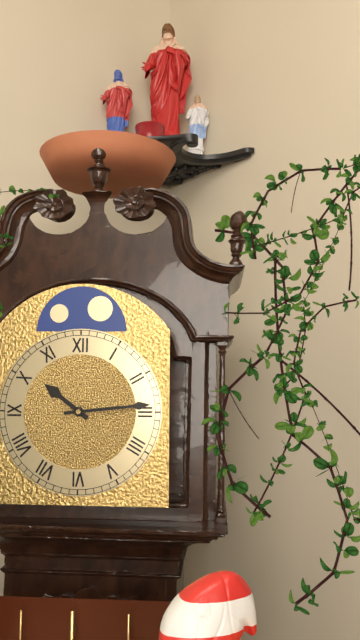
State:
10,14
